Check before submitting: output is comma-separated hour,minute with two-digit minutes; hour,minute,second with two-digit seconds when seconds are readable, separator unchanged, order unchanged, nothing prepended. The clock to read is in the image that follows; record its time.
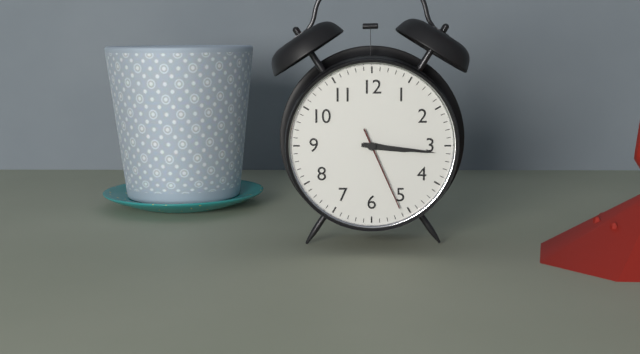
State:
3,16,26
